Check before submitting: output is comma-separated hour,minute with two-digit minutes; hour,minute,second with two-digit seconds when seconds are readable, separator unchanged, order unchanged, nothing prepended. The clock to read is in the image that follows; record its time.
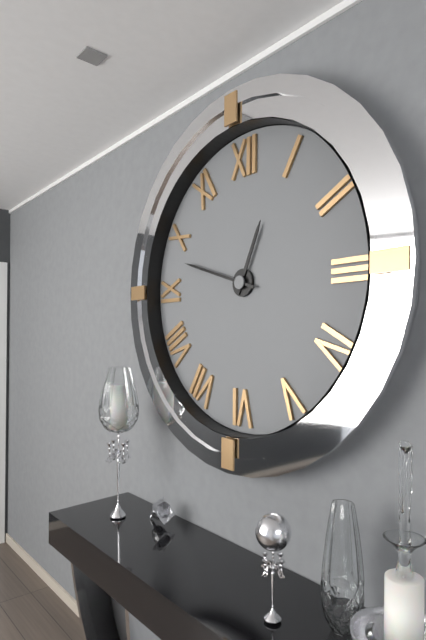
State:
12,48
